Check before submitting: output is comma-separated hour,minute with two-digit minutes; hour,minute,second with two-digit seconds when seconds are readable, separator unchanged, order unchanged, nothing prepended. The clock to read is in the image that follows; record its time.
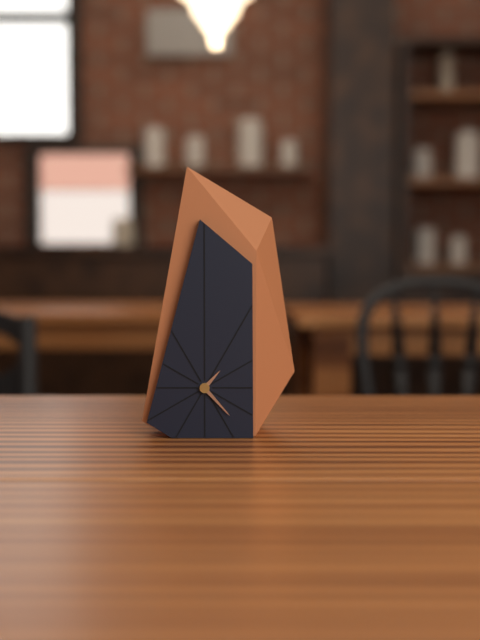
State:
1,23
